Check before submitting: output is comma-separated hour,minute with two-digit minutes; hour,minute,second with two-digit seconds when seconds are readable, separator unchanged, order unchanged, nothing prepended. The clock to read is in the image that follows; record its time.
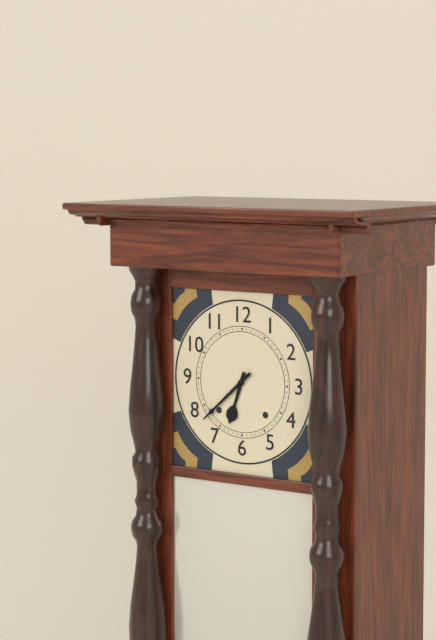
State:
6,38
